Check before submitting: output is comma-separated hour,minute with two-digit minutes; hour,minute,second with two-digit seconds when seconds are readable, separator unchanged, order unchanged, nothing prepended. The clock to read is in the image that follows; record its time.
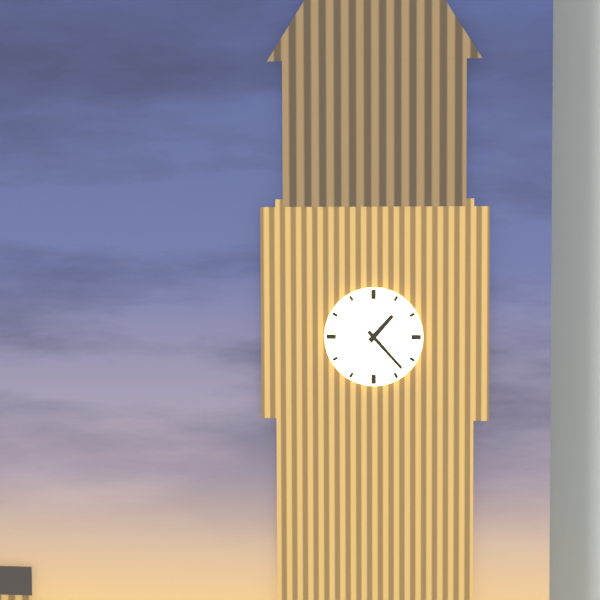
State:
1,23
